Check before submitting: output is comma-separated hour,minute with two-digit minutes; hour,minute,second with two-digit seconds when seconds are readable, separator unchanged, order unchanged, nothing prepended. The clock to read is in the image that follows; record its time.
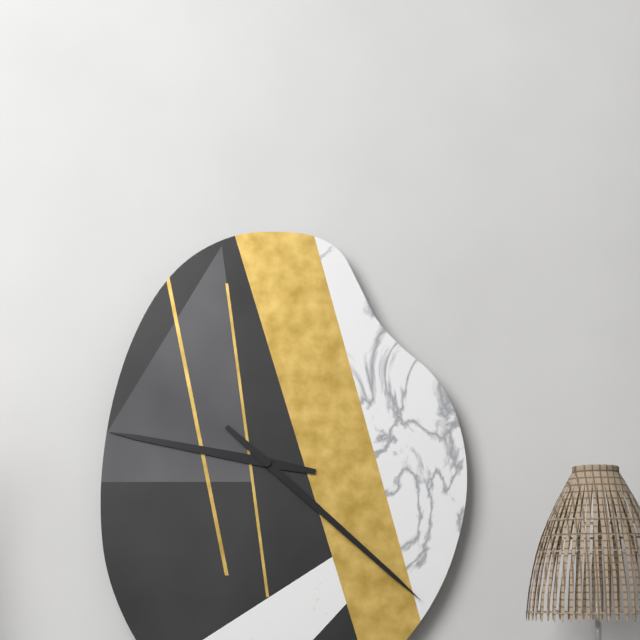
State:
9,22
